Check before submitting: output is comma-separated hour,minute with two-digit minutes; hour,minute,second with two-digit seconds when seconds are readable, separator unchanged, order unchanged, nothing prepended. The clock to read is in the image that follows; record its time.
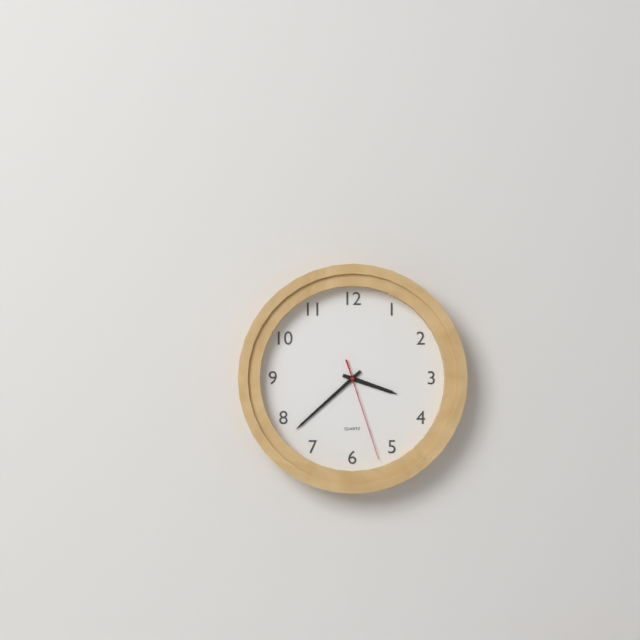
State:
3,38,27
